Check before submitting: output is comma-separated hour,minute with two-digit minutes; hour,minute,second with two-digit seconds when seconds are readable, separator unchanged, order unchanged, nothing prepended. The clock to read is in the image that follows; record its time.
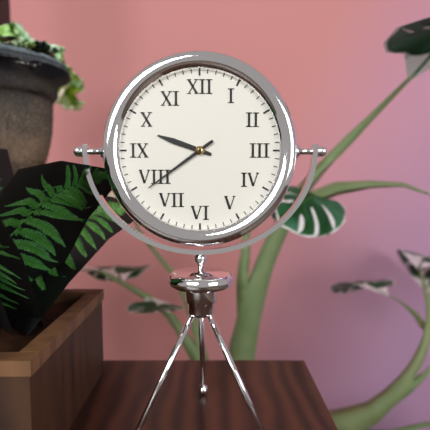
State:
9,39
